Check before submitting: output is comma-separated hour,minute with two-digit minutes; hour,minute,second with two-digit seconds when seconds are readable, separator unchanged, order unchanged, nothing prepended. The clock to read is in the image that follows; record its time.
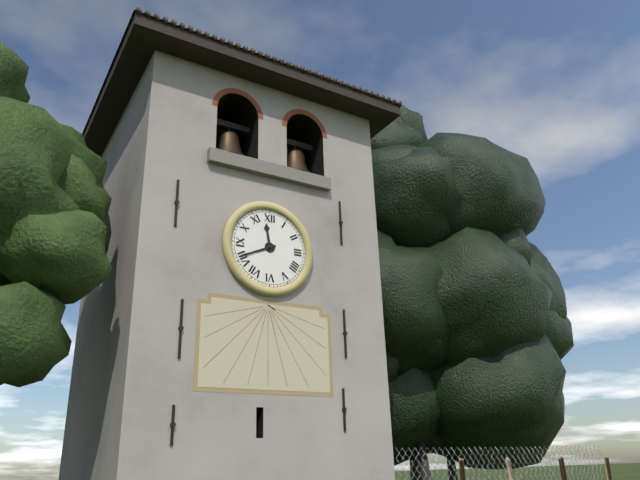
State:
11,41
